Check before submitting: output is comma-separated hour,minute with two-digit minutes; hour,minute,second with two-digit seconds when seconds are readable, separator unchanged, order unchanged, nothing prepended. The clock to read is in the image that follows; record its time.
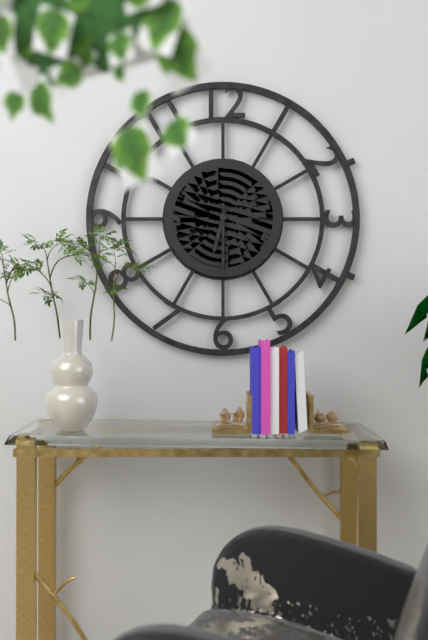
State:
6,30
